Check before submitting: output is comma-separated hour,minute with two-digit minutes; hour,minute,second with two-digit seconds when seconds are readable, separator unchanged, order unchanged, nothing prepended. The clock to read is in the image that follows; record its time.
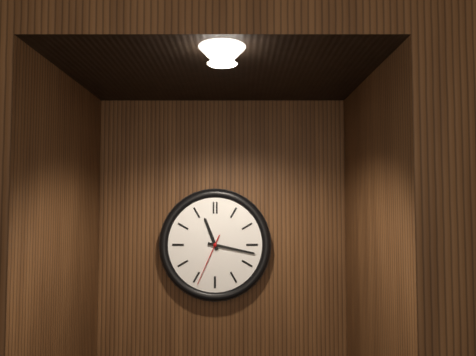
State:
11,17,34
